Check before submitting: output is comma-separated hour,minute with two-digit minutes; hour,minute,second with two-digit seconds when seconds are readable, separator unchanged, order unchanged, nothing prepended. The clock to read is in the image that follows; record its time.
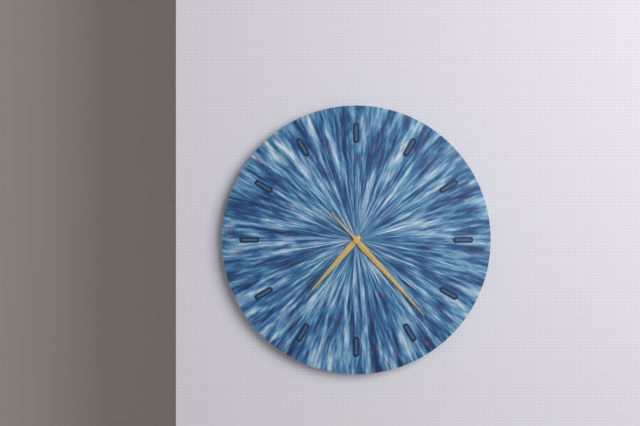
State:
7,23,23
